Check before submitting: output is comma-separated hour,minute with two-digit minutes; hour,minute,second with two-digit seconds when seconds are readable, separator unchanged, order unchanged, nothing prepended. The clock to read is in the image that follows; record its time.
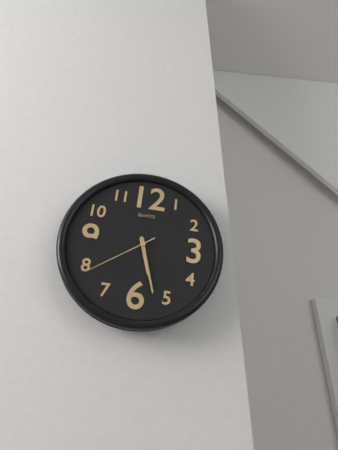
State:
5,27,39
